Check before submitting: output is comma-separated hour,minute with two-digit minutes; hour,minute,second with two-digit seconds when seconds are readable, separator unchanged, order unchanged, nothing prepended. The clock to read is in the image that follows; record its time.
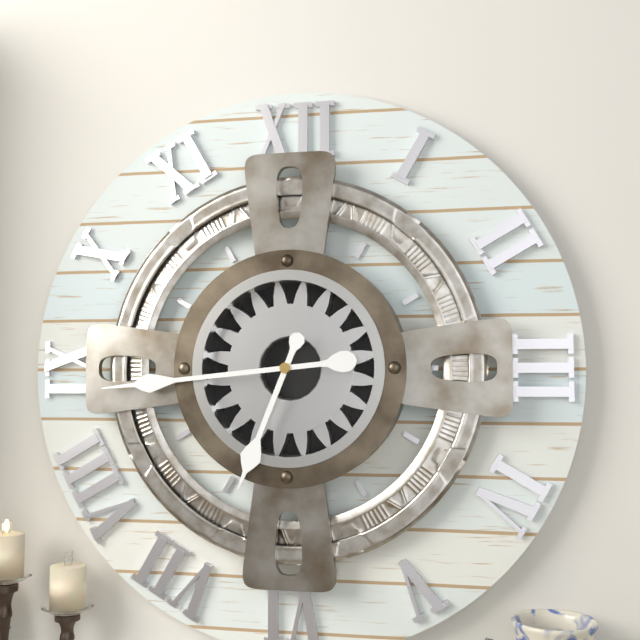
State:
6,44
